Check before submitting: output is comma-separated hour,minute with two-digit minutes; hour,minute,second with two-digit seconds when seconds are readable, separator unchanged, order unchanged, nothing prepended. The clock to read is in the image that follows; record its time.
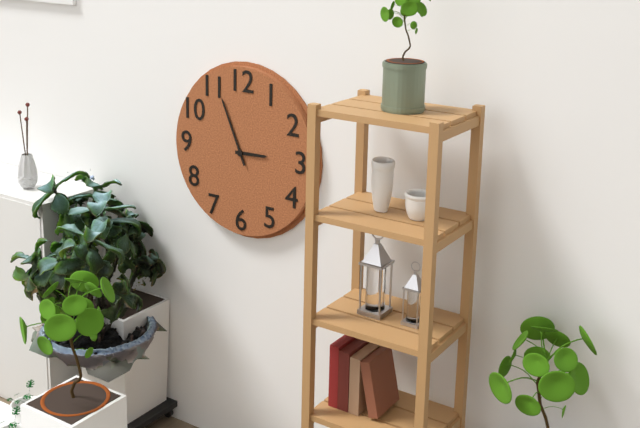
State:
2,56
